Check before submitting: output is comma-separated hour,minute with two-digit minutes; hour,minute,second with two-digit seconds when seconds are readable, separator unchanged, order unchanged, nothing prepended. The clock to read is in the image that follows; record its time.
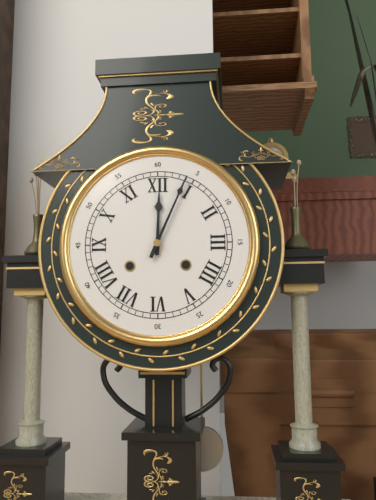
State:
12,04
